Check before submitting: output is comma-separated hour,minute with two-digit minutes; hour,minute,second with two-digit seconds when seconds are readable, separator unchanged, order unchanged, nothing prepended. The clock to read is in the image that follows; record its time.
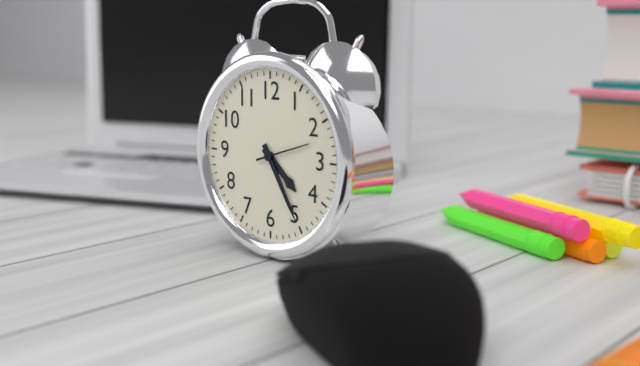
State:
4,25,12
